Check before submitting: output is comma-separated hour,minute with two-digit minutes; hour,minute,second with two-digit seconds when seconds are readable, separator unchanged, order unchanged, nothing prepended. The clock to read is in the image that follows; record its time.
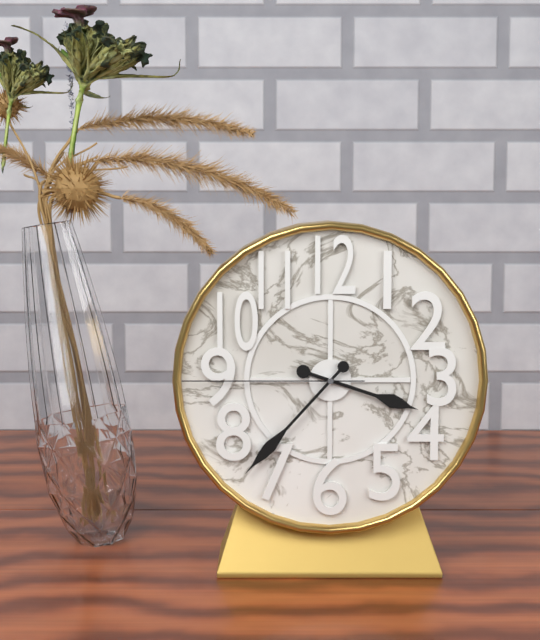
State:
3,37,45
